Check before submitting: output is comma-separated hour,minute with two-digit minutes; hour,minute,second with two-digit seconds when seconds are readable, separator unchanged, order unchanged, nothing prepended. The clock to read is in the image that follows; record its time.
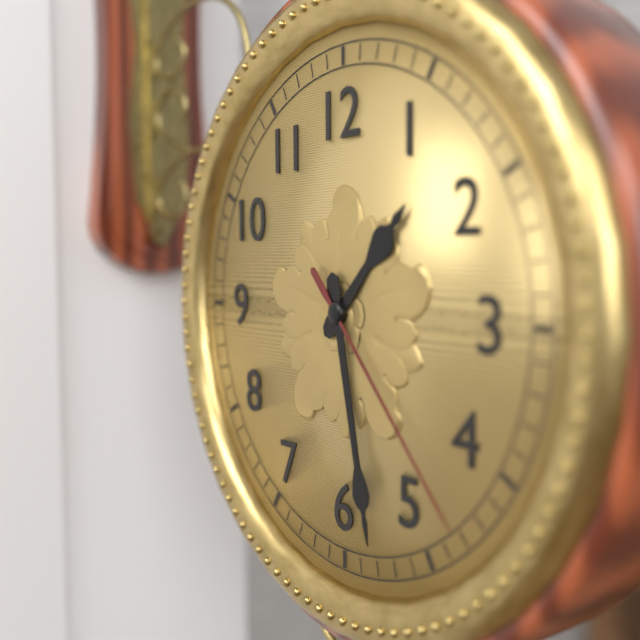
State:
1,28,23
